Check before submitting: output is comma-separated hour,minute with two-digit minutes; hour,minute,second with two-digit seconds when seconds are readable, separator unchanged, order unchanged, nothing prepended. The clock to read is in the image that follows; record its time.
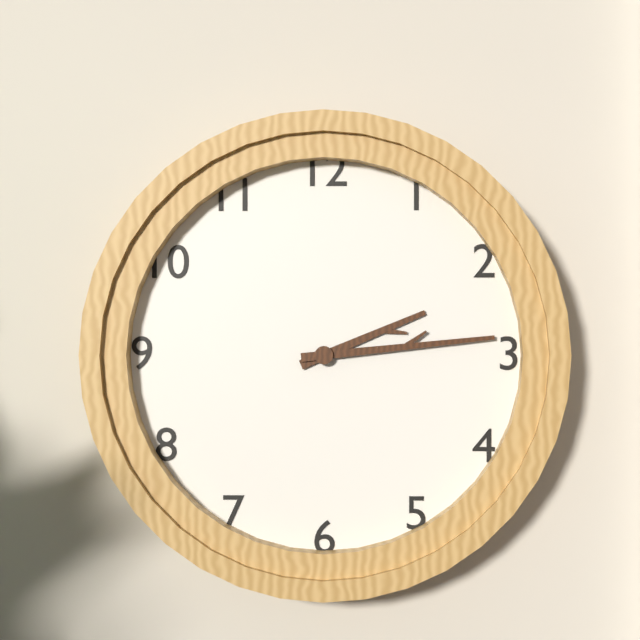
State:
2,14
